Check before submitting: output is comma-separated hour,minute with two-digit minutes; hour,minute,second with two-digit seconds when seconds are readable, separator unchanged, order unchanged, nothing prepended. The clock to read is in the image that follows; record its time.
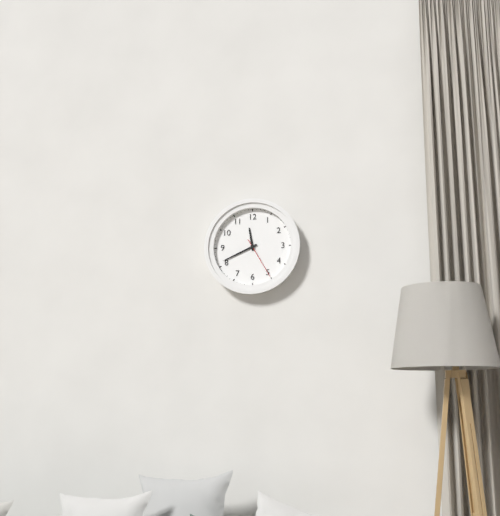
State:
11,41
